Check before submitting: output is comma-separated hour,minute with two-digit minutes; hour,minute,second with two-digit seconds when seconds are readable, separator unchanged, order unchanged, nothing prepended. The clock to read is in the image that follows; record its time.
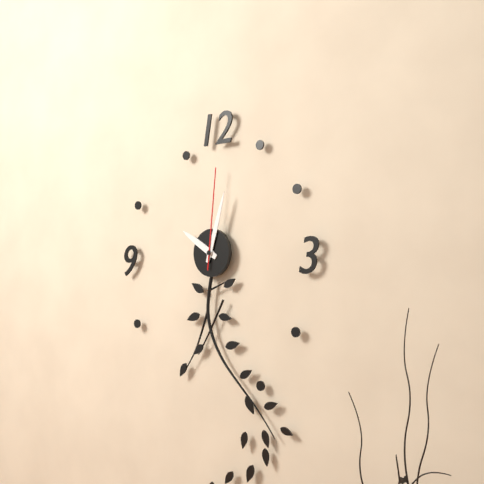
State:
10,03,01
